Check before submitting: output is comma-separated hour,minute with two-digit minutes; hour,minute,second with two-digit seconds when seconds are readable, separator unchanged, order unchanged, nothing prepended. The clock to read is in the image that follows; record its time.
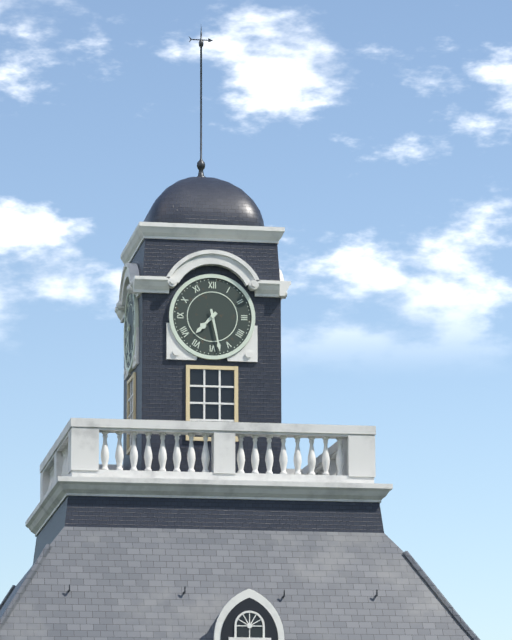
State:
7,28
